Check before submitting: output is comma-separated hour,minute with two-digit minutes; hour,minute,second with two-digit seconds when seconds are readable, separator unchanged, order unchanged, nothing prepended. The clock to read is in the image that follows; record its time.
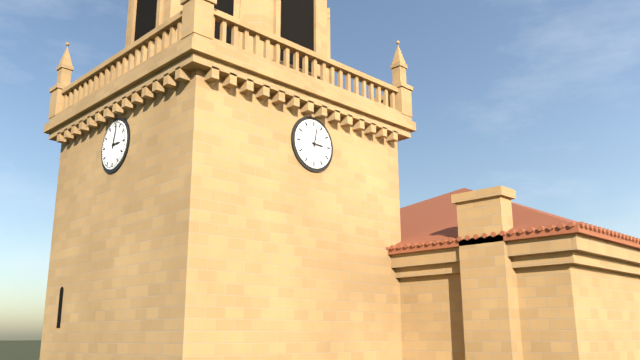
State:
3,02
